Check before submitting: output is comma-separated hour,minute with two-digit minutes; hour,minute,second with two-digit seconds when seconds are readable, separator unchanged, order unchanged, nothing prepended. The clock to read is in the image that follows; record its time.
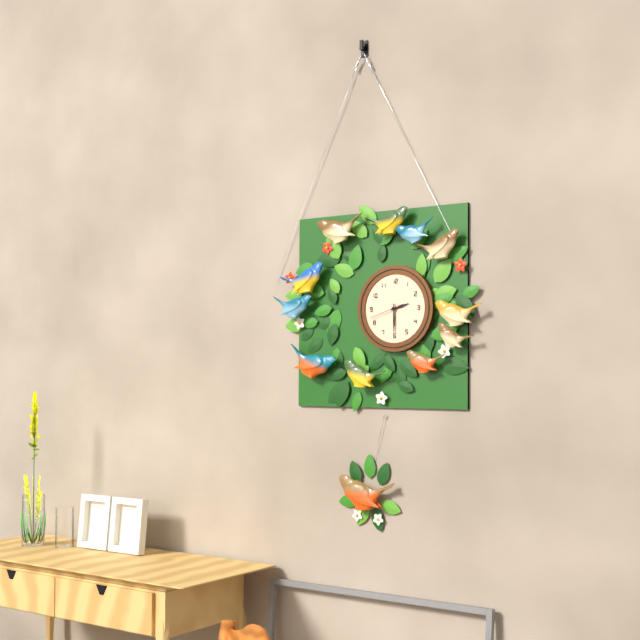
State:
2,30
